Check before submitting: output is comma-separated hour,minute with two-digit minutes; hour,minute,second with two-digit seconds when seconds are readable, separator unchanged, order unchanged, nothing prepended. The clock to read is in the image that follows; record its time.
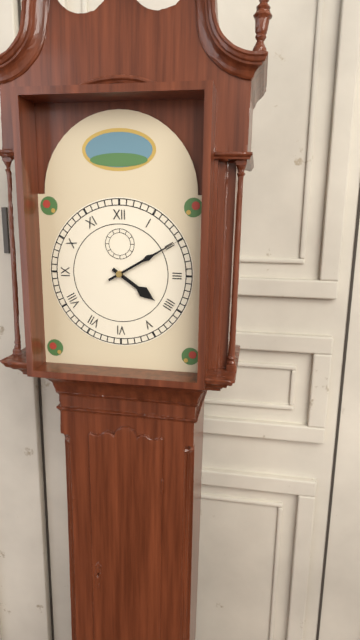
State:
4,10
